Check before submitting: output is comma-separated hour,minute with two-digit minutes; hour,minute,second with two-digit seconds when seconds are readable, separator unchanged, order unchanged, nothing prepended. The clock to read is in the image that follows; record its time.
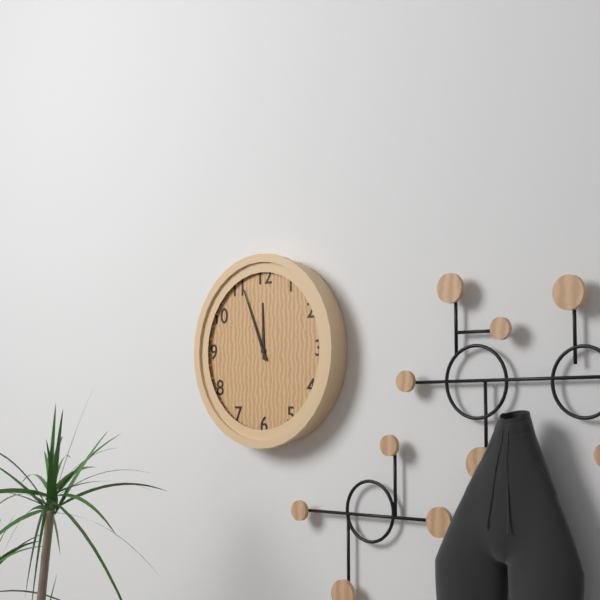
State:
11,56
